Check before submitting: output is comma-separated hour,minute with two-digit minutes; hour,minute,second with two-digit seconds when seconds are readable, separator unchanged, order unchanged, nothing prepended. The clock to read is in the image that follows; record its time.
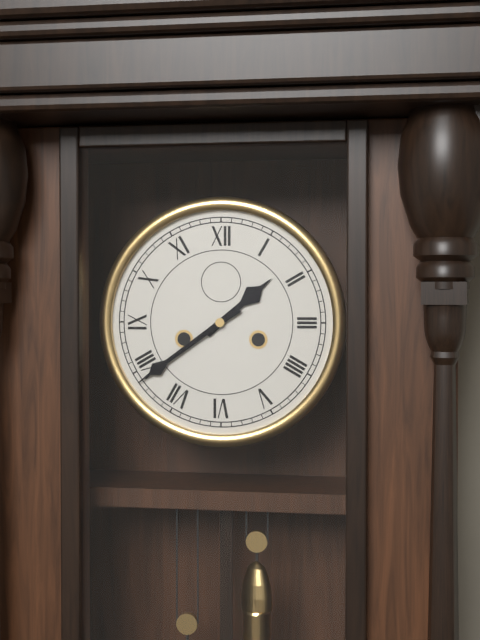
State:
1,39
